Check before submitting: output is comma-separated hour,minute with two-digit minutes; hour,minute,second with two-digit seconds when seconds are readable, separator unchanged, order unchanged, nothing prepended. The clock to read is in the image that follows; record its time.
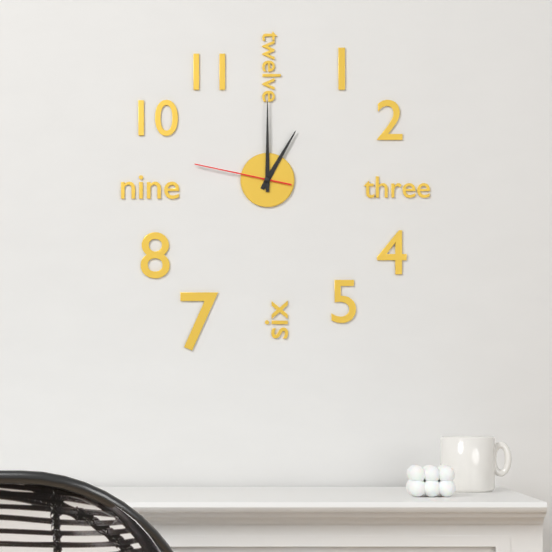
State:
1,00,47
